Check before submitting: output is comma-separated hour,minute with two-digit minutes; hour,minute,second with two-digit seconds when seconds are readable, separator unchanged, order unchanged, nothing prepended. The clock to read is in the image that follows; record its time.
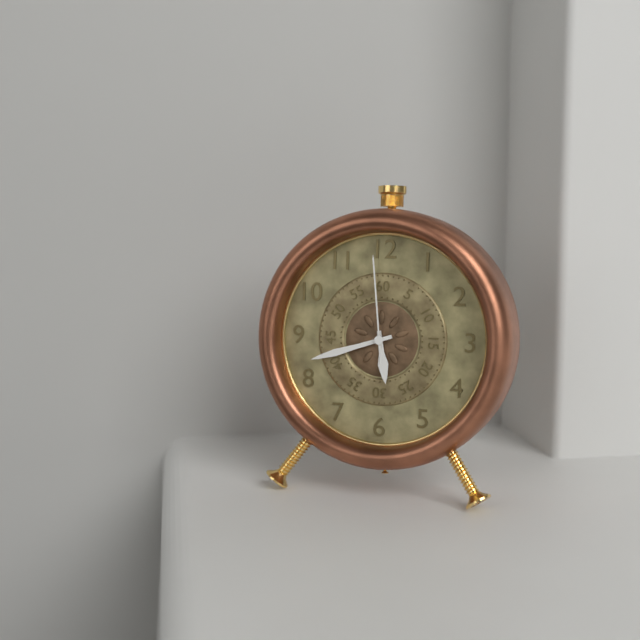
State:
5,42,59
